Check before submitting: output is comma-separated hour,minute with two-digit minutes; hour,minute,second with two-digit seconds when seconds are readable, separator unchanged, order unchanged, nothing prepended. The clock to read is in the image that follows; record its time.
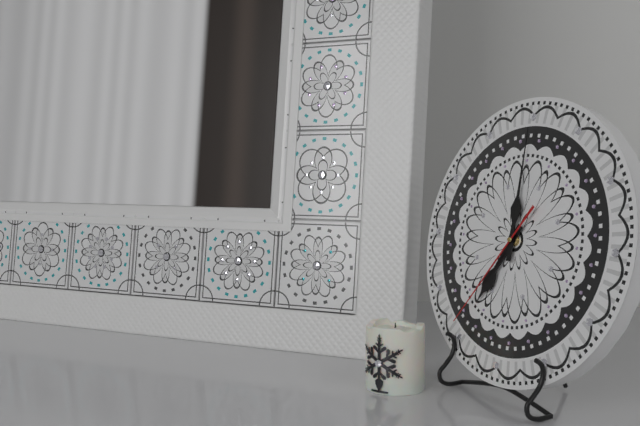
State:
7,00,36
